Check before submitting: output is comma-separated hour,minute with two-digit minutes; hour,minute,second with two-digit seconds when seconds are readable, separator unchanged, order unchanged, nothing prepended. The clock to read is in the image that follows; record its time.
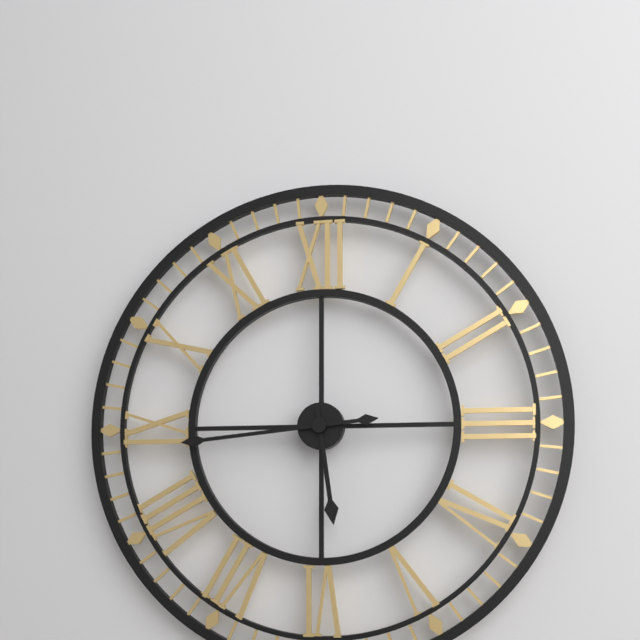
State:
5,44
